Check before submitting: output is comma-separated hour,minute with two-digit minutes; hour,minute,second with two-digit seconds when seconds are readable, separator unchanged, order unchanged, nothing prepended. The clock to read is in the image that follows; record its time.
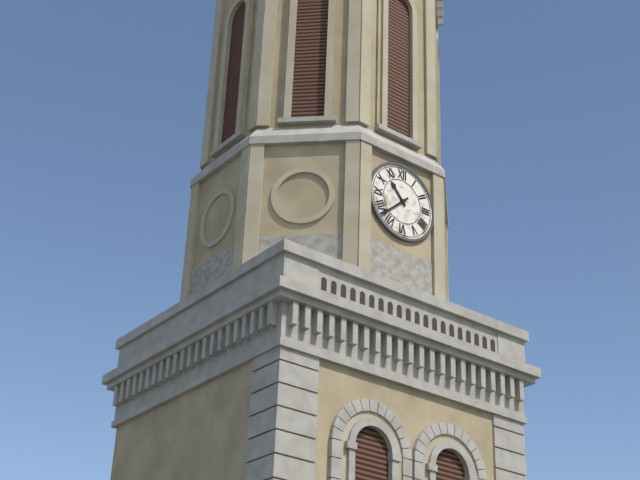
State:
10,38
